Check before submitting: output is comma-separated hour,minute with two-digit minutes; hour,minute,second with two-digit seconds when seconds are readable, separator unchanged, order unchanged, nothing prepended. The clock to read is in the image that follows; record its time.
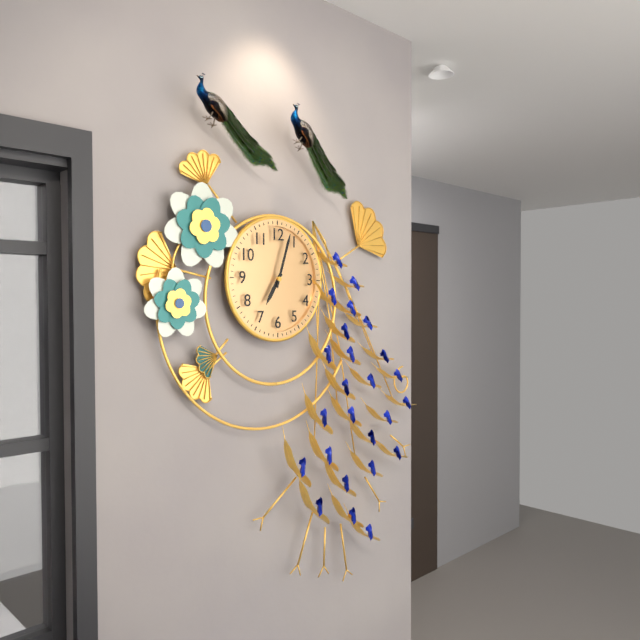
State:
7,03
